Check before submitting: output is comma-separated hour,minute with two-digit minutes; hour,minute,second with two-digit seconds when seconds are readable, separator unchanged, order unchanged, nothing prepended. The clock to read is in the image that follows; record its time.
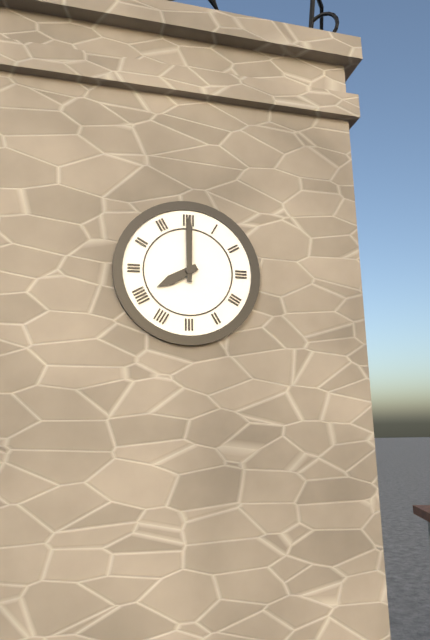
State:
8,00
